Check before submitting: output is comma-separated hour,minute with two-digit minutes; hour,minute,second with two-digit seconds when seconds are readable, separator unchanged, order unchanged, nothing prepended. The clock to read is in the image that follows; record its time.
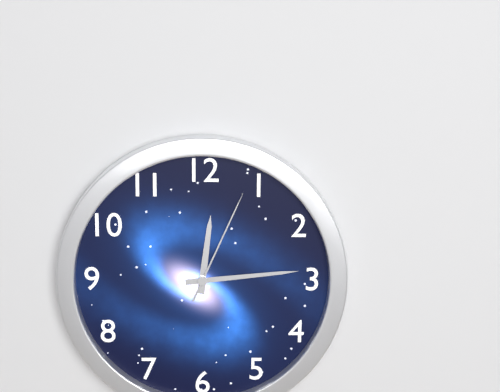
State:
12,14,04
